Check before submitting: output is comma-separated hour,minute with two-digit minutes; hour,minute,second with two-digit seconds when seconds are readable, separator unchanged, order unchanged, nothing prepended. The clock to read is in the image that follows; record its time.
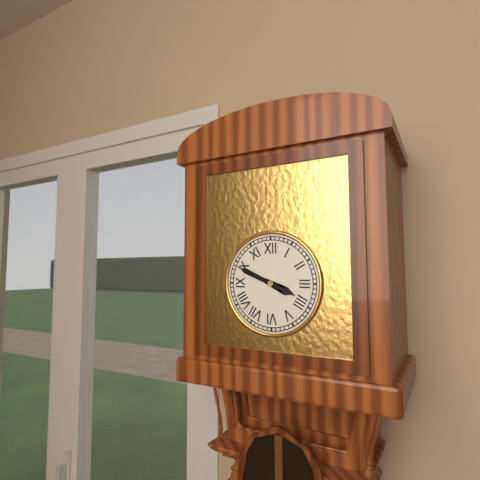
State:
3,49
